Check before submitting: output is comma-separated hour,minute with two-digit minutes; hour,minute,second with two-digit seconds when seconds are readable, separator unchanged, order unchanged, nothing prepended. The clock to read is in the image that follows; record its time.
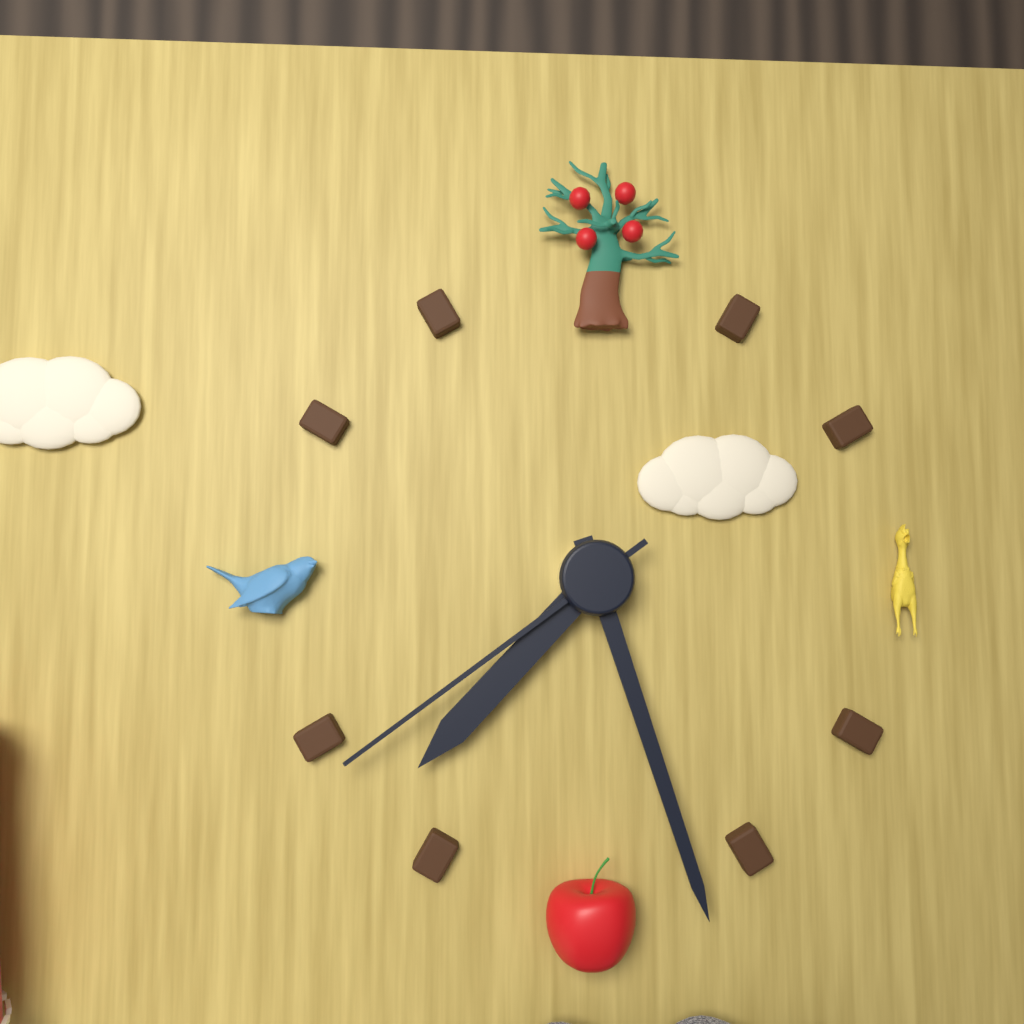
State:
7,27,39
